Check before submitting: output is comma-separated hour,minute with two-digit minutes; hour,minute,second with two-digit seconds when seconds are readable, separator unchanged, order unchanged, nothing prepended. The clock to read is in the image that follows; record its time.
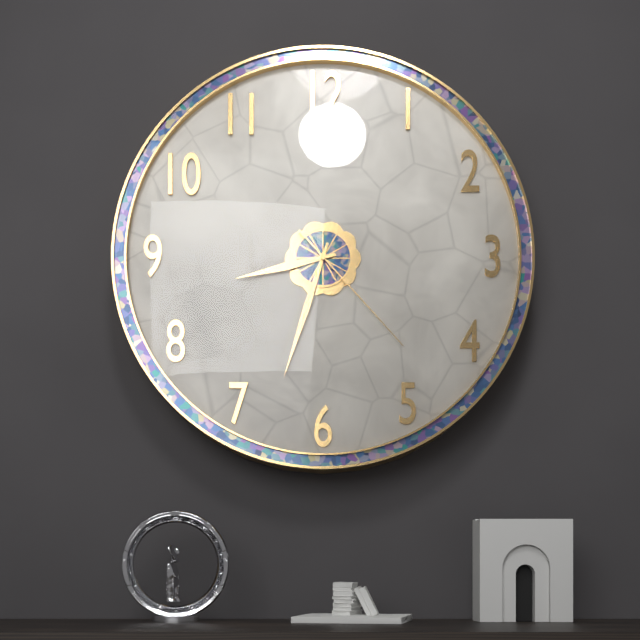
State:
8,33,23
